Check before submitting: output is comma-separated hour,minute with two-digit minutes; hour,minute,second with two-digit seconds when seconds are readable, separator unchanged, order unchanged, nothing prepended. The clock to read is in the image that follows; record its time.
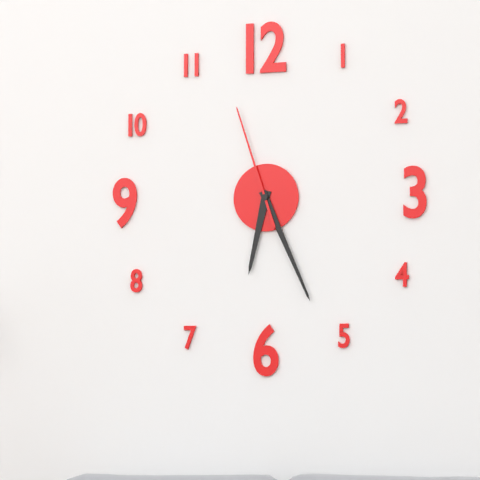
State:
6,26,57
